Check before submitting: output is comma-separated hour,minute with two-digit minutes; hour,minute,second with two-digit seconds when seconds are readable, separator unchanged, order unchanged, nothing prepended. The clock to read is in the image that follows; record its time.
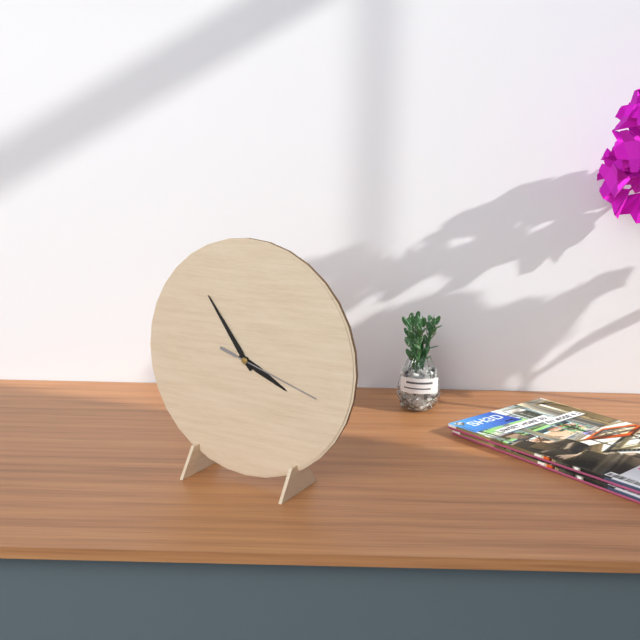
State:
3,54,18
